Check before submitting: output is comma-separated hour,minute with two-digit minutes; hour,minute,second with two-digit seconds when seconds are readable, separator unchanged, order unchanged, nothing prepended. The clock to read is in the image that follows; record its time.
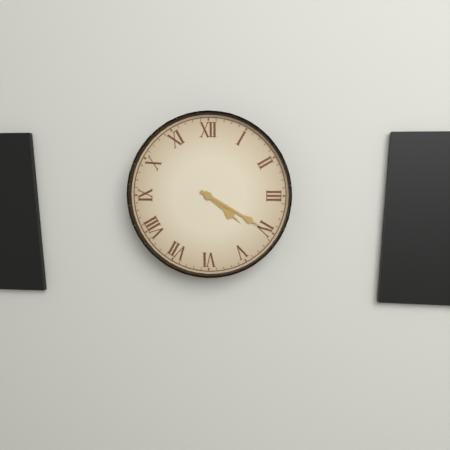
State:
4,20
